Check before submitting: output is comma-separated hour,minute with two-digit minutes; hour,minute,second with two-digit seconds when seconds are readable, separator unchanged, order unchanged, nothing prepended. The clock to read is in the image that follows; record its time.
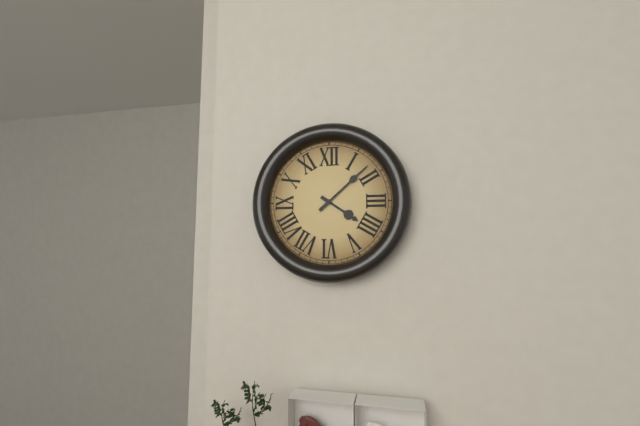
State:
4,08
